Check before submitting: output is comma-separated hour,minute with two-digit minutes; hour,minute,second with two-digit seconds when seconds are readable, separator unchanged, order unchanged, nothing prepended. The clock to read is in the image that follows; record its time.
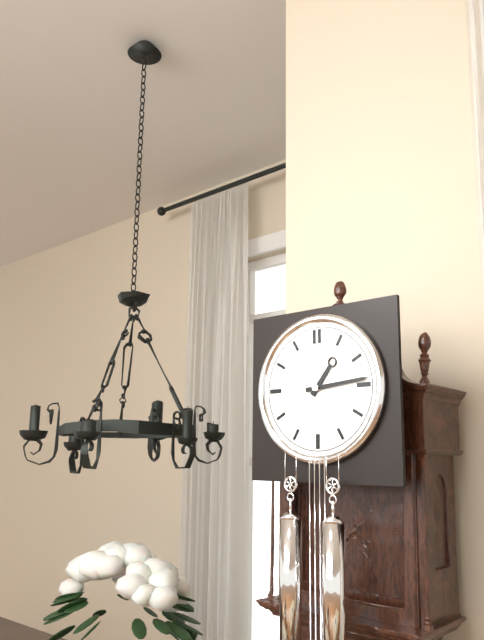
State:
1,14
